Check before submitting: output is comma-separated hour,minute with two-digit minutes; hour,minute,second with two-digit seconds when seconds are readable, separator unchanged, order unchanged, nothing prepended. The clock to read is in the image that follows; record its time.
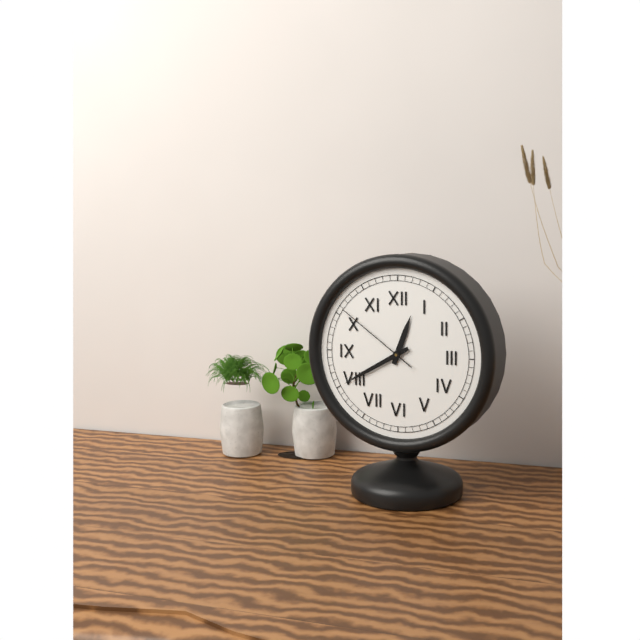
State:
12,40,51
